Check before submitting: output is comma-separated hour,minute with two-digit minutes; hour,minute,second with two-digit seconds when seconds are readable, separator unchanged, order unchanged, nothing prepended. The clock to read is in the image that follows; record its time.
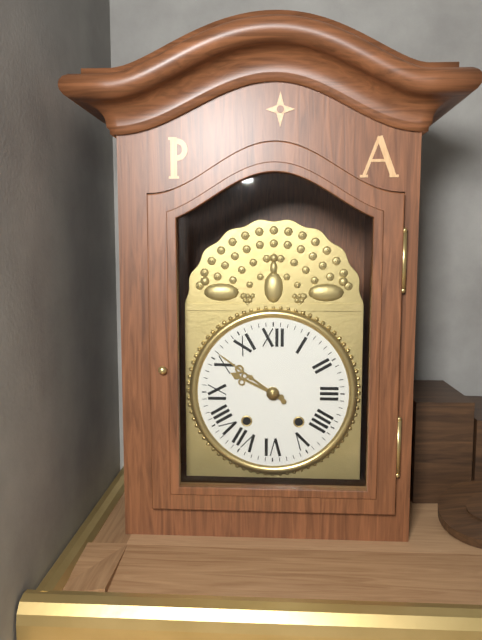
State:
9,51
